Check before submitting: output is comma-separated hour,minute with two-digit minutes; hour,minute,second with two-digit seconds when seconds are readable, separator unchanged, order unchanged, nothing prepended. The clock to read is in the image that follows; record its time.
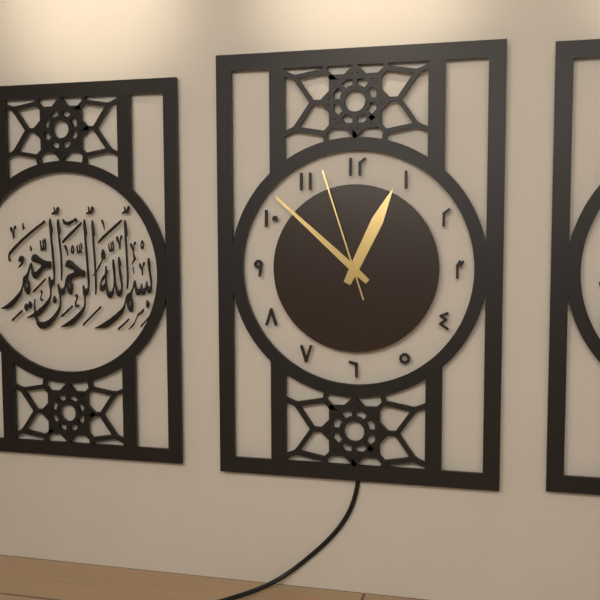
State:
12,52,57
